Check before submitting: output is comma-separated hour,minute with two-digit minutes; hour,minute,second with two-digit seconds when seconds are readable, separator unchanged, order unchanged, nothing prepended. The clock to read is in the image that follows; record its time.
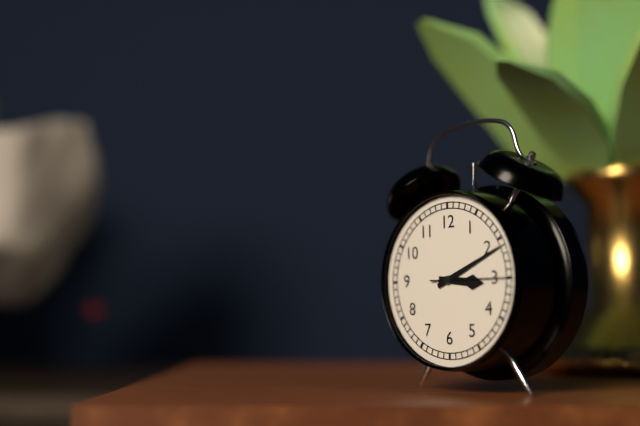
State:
3,11,15
